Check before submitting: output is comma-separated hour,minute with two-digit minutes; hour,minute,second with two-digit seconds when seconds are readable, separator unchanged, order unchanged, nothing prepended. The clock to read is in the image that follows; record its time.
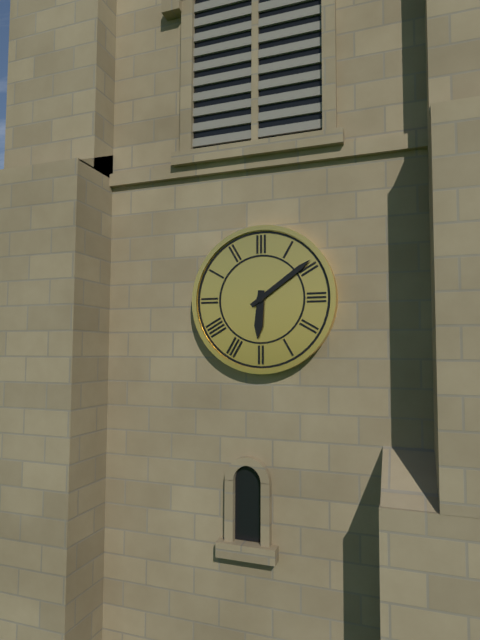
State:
6,09
